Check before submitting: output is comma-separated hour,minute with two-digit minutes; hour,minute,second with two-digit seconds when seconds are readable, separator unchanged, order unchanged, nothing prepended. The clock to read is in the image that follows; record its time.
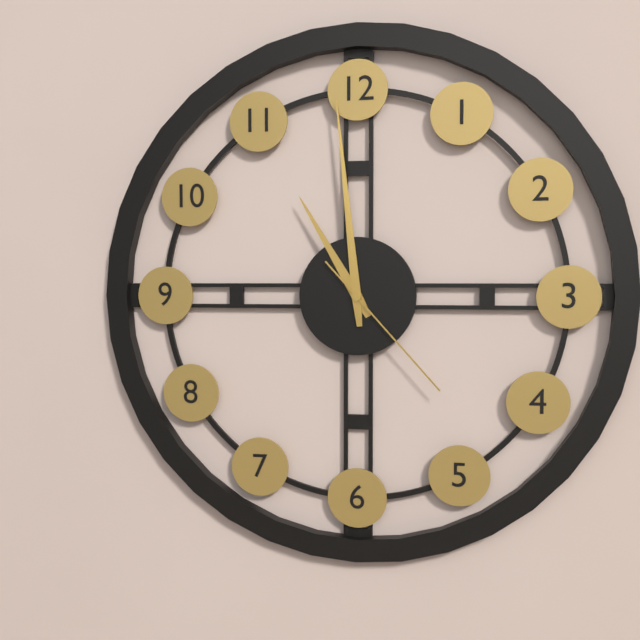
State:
10,59,23
